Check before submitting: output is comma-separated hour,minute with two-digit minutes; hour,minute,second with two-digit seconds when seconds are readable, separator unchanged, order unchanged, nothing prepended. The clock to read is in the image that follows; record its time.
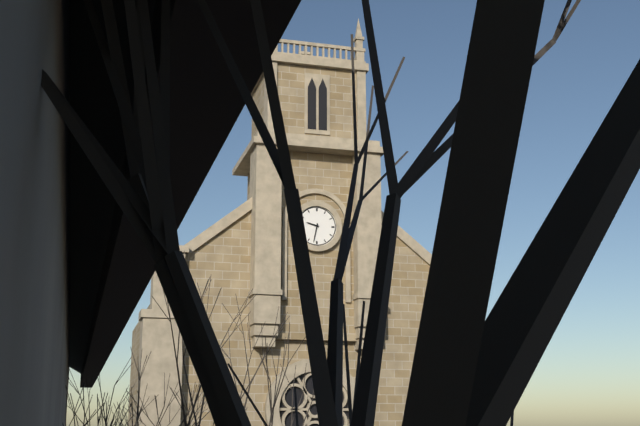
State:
9,32
